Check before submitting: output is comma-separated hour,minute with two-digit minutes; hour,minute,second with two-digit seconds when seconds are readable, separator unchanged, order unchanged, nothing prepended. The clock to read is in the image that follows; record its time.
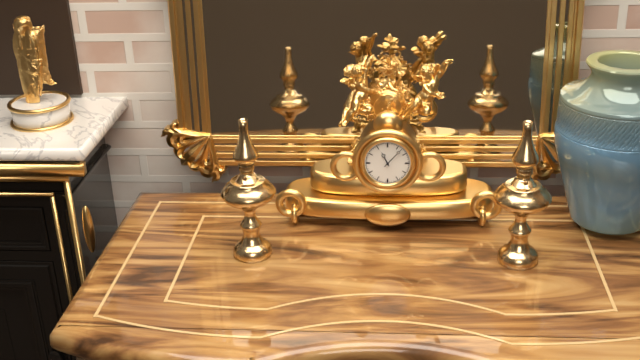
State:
11,07
